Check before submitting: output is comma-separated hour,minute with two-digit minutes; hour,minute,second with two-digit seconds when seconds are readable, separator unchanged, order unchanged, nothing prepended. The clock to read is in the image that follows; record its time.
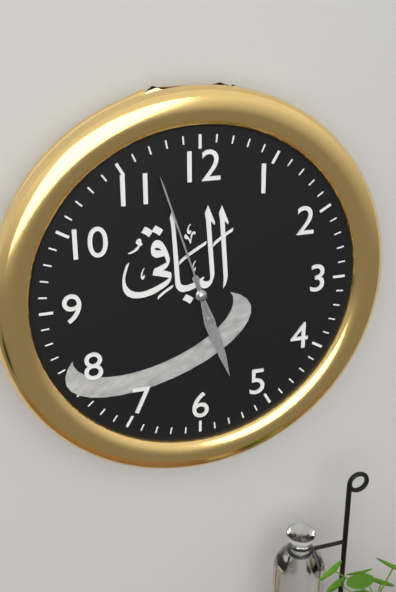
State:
5,27,57
